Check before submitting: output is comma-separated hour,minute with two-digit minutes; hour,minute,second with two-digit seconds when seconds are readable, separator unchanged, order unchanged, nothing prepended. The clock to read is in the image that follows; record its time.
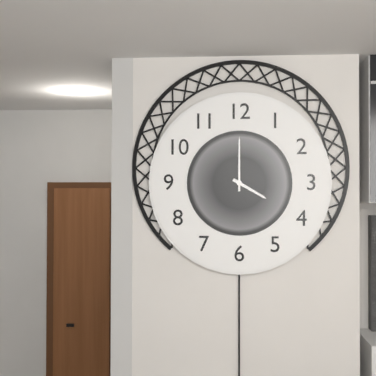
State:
4,00
